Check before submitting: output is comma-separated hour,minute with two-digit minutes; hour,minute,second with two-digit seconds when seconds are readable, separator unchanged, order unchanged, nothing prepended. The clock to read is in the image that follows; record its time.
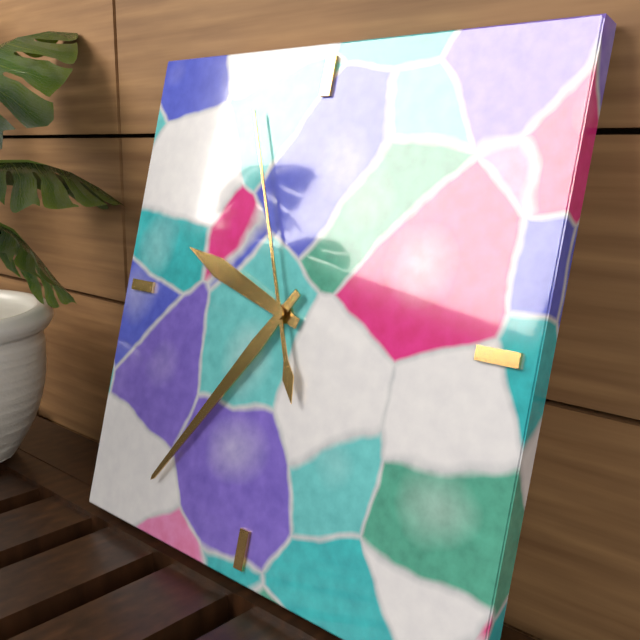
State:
9,36,56
